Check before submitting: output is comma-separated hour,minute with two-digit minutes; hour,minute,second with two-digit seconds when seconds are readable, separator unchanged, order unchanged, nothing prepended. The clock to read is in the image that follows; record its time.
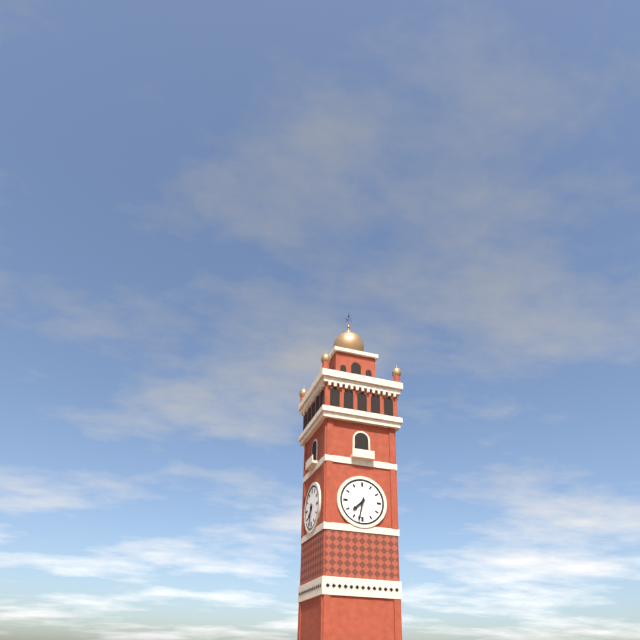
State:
7,32
